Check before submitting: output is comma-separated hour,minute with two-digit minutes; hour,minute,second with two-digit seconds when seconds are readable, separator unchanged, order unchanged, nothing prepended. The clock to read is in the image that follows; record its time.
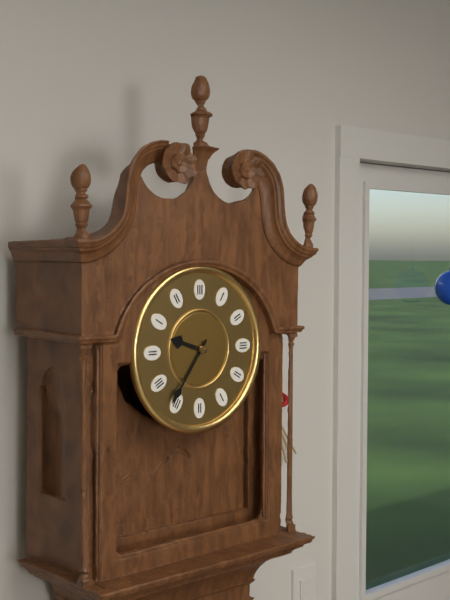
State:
9,36
